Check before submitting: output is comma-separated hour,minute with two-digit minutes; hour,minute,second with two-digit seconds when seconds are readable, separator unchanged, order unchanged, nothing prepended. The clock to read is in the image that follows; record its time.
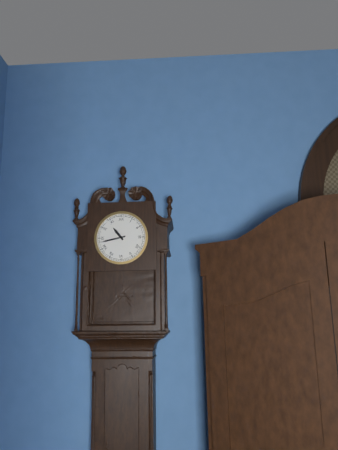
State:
10,43
